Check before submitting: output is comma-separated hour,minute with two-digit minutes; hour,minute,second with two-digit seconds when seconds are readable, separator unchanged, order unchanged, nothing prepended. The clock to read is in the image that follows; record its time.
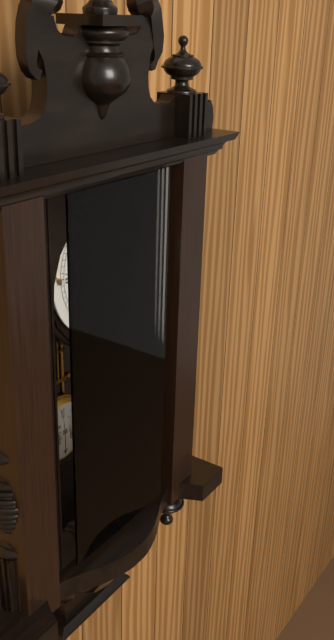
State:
6,09
